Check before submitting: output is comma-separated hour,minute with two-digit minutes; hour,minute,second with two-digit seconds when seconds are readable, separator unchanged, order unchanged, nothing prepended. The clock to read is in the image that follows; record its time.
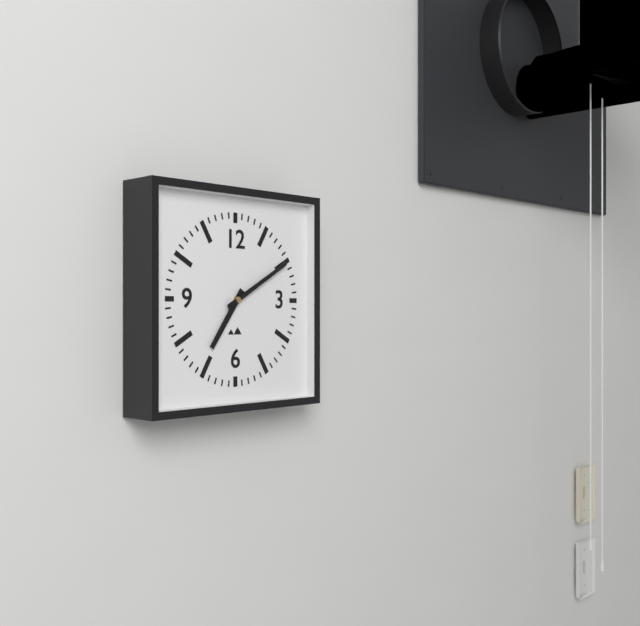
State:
7,10
